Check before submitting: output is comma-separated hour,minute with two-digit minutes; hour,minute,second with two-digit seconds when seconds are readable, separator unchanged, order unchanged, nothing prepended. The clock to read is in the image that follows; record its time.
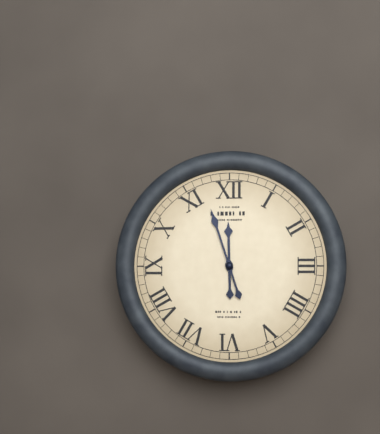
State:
11,57
